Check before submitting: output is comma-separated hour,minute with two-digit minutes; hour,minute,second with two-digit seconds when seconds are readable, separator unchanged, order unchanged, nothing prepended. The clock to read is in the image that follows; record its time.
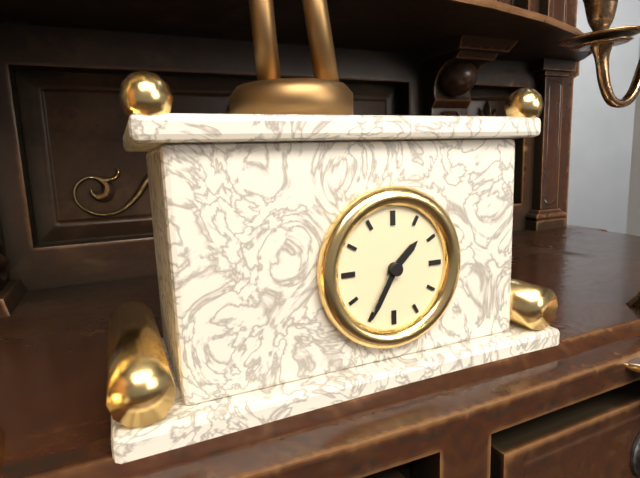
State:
1,35
